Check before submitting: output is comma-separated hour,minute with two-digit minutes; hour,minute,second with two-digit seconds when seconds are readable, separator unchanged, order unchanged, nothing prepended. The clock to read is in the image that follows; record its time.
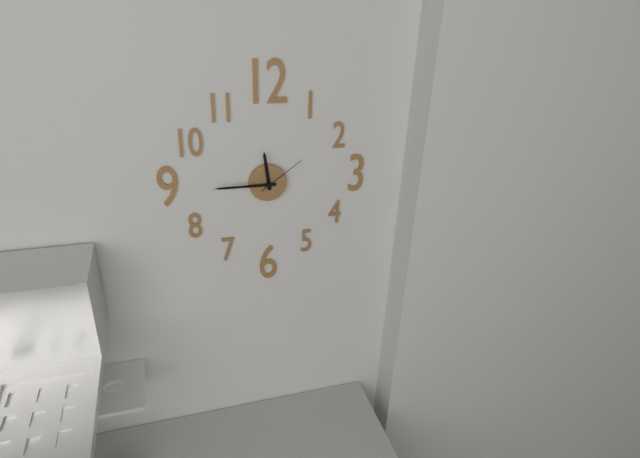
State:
11,45,09
